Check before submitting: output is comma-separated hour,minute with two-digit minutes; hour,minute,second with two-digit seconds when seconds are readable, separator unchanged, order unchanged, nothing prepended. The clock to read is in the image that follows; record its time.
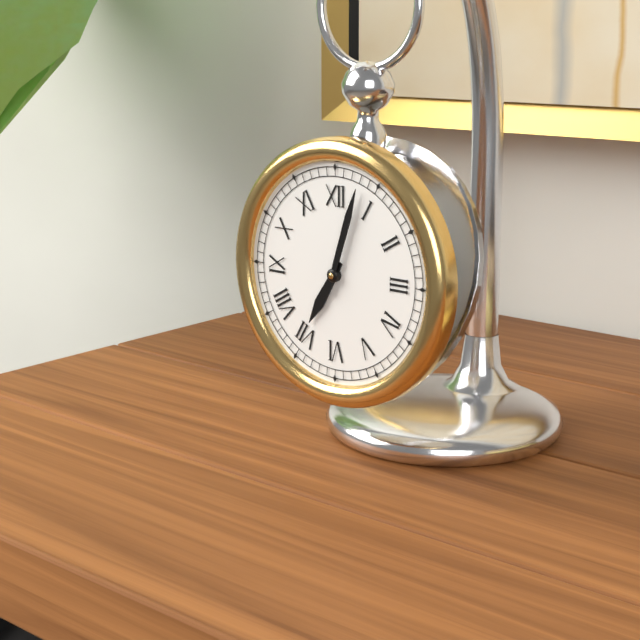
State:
7,03
